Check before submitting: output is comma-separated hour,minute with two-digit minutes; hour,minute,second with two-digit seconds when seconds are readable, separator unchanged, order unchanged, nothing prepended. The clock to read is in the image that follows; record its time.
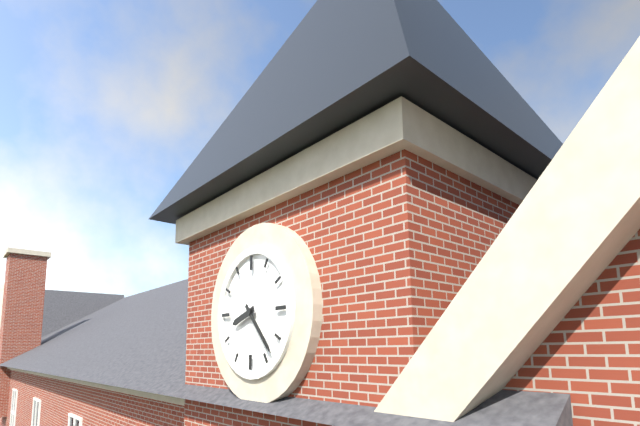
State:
8,23
